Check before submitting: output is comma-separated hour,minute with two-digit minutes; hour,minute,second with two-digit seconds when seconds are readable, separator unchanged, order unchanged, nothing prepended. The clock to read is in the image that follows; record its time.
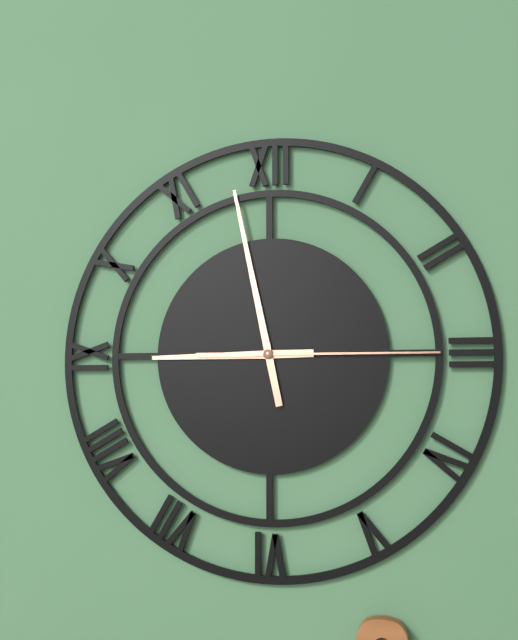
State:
8,58,15
